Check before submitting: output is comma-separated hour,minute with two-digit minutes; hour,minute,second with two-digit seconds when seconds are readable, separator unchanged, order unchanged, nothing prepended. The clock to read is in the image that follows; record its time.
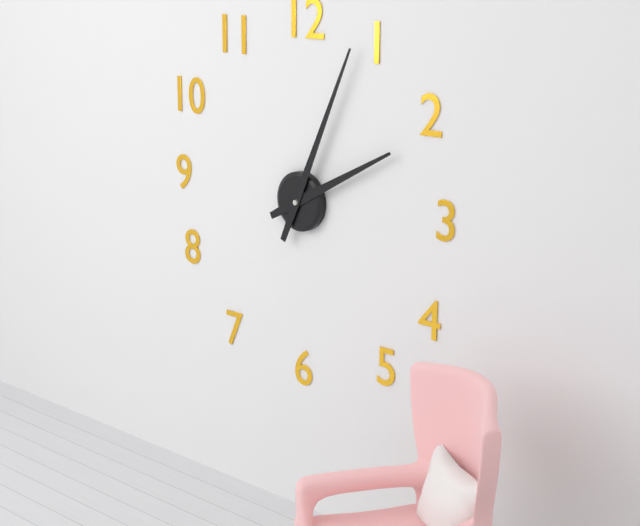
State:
2,04
